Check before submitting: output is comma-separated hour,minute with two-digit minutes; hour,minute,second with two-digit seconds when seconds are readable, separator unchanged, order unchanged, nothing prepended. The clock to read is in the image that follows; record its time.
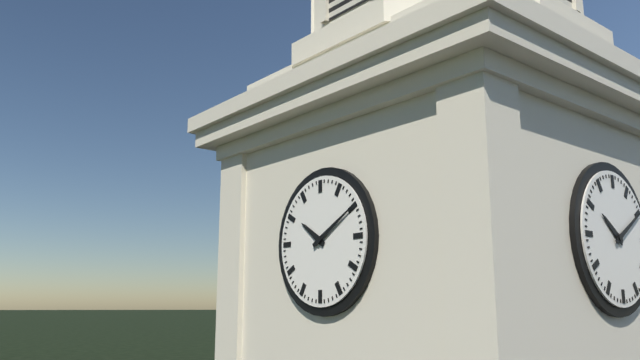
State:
10,10
